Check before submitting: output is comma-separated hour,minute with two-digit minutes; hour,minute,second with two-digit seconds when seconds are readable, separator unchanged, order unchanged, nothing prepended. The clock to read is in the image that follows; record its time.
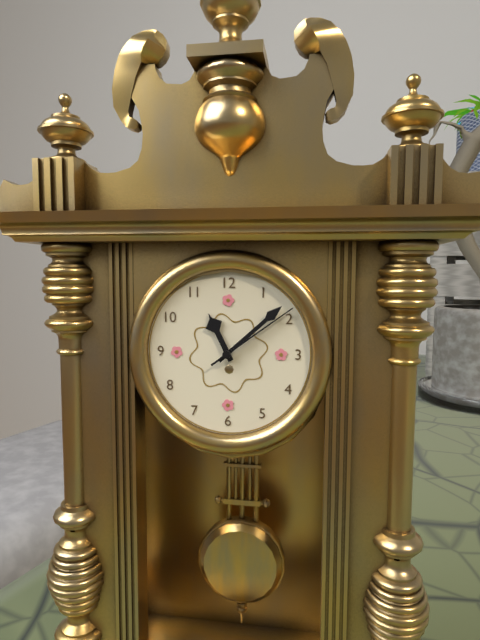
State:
11,08,09
